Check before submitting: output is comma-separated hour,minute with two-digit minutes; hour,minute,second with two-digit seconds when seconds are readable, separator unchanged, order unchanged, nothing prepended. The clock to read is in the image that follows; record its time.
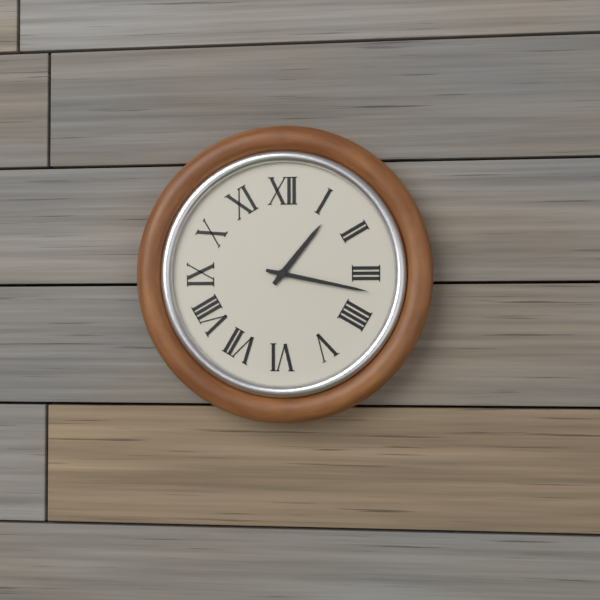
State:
1,17
